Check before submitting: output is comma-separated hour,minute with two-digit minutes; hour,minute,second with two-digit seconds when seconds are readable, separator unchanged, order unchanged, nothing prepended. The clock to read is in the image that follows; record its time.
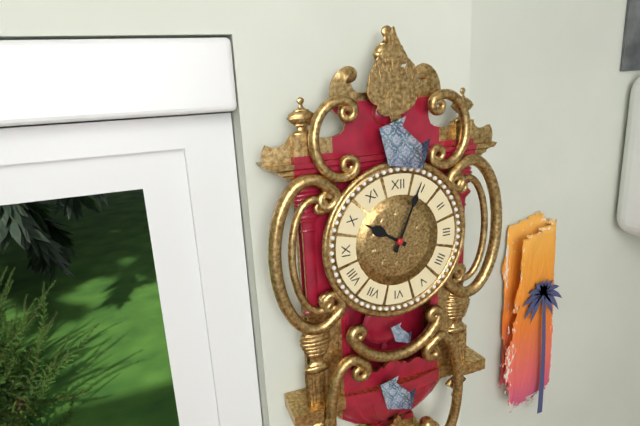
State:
10,04
